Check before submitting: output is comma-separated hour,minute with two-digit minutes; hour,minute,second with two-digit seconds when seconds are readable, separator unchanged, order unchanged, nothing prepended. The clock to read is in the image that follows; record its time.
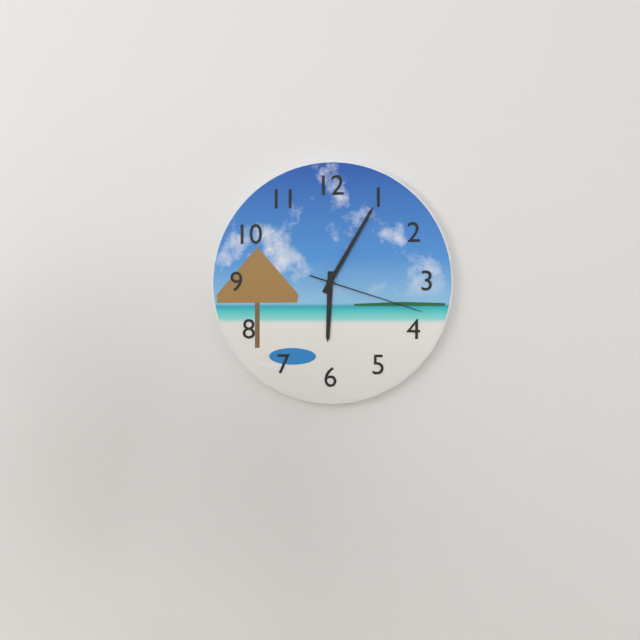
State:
6,05,18
